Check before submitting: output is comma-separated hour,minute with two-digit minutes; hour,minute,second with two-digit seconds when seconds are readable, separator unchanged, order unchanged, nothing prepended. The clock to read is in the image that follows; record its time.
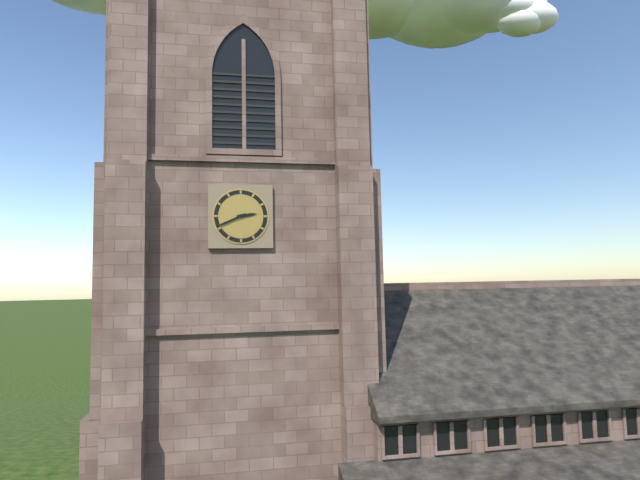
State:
2,41
